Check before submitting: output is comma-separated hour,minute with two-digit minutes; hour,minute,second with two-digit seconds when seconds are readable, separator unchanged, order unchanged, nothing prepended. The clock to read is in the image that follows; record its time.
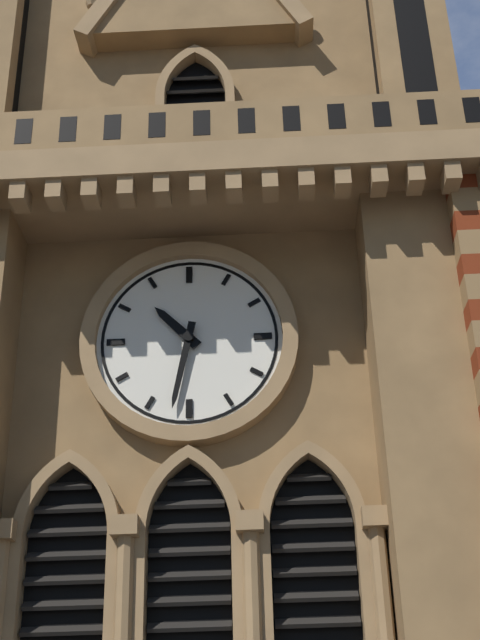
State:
10,32
